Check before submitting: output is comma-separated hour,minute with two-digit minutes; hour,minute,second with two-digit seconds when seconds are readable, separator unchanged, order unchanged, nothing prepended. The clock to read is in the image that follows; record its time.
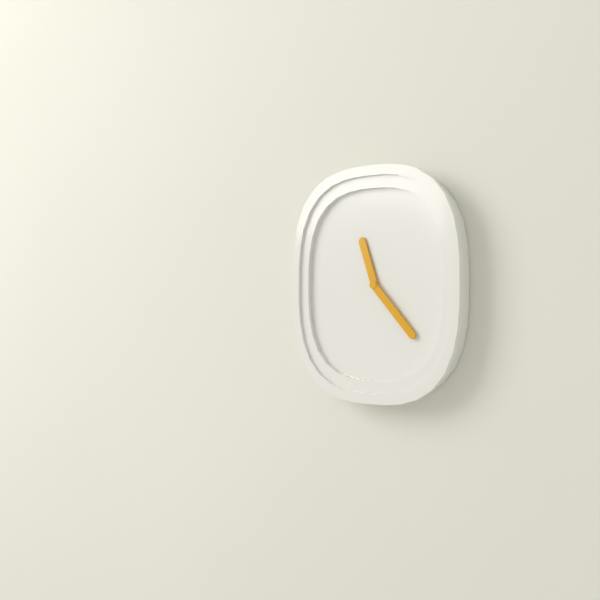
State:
11,23
